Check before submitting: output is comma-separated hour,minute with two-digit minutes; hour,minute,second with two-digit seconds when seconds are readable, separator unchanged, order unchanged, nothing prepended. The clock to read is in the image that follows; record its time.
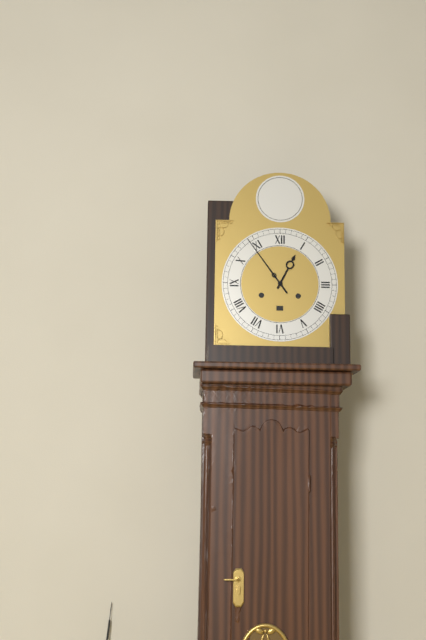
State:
12,54
